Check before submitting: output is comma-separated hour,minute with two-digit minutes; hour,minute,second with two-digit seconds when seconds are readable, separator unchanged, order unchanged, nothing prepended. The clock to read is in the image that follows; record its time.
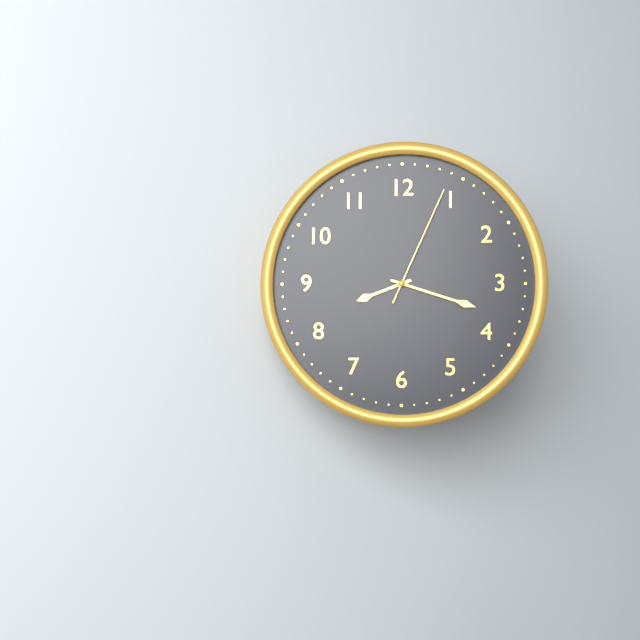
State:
8,18,04
